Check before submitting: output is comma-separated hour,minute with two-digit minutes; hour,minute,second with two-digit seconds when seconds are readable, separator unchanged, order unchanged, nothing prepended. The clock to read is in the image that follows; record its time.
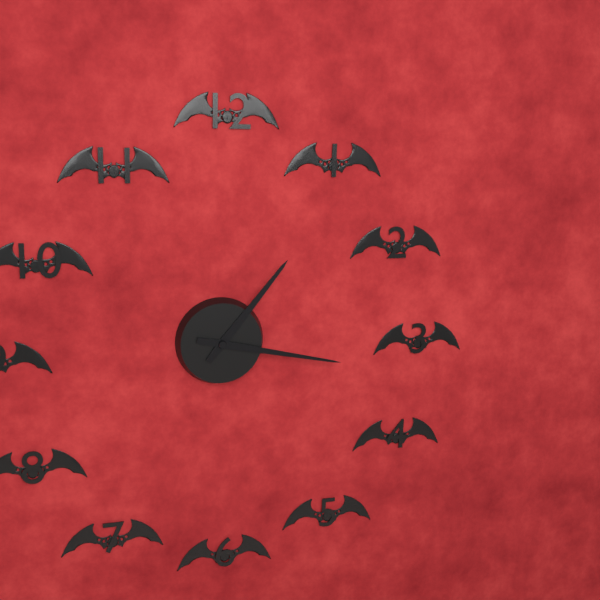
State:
1,17
